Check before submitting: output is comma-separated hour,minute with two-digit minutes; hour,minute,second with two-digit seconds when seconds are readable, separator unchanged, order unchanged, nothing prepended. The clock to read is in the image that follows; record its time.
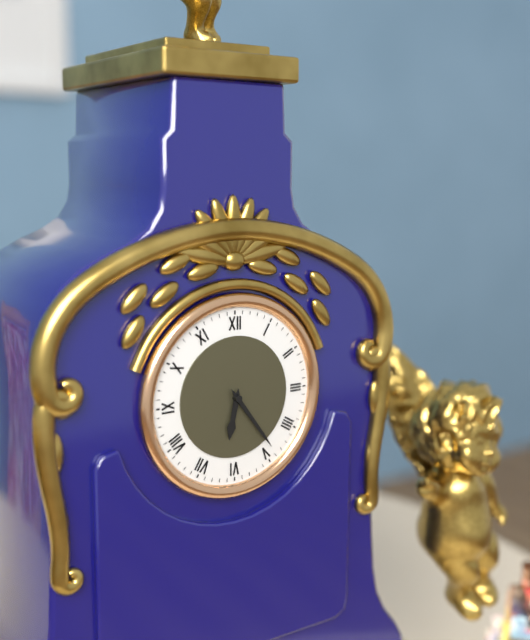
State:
6,24
